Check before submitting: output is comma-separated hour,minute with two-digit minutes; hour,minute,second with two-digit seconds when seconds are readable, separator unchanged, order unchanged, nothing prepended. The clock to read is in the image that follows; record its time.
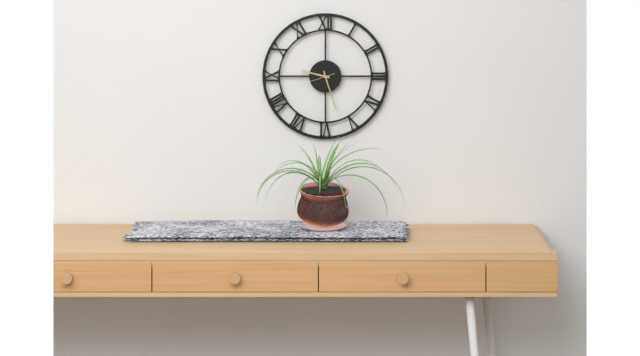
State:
9,27
